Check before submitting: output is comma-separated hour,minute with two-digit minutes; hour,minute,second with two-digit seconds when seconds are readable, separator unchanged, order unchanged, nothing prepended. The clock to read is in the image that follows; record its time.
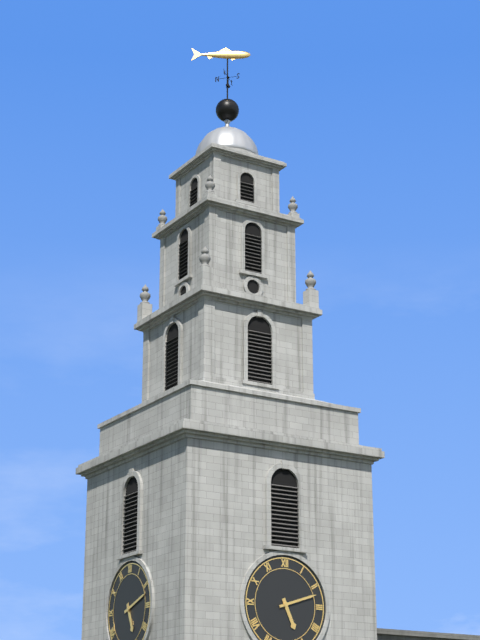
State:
5,12
